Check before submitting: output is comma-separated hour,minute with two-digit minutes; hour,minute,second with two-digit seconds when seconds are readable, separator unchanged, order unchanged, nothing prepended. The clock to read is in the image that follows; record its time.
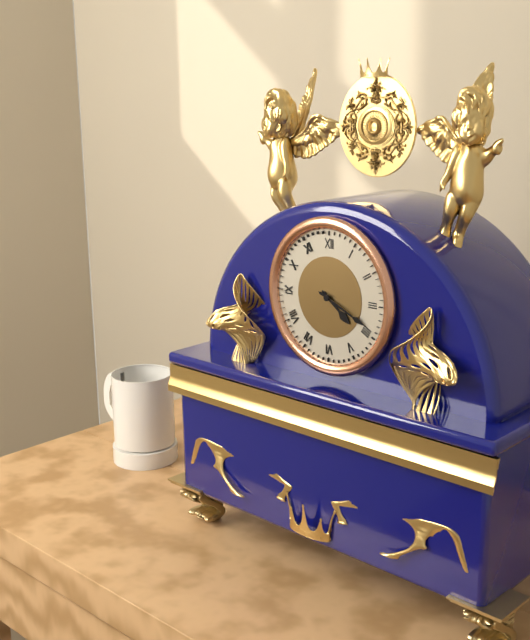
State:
4,19
